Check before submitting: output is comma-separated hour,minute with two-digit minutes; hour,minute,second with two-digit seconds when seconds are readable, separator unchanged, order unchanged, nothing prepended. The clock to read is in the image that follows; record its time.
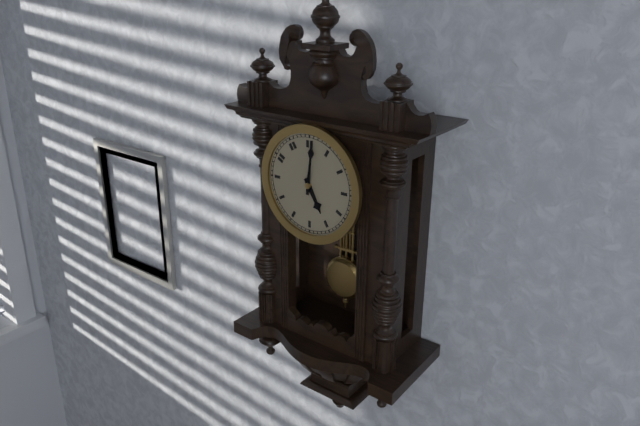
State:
5,01
